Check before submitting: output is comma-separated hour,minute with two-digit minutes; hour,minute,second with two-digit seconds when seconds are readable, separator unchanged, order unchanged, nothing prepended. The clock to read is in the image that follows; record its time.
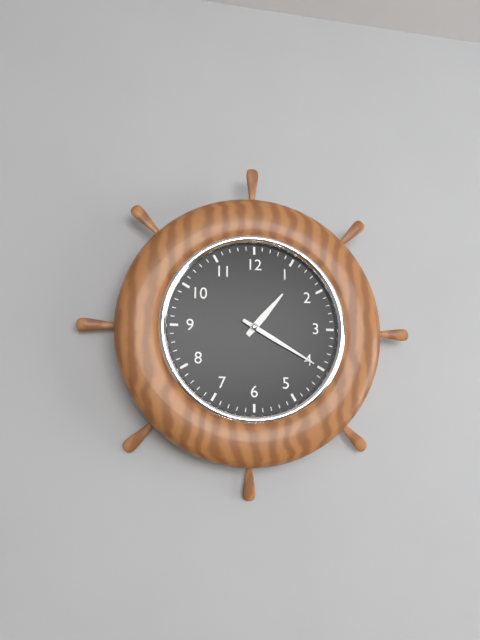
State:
1,20
